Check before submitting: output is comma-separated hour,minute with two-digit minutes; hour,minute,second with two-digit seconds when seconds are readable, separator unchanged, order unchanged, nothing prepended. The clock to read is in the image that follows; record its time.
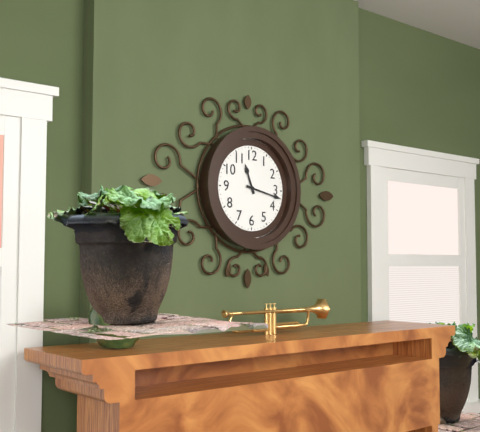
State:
11,17
